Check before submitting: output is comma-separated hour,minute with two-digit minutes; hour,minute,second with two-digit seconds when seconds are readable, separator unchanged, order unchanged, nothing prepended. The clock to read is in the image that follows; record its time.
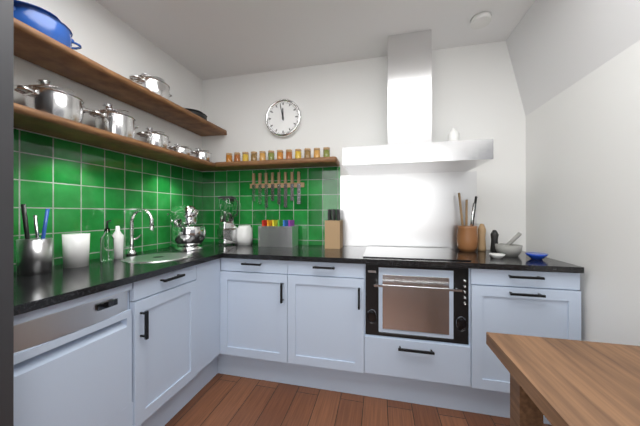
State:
11,58
